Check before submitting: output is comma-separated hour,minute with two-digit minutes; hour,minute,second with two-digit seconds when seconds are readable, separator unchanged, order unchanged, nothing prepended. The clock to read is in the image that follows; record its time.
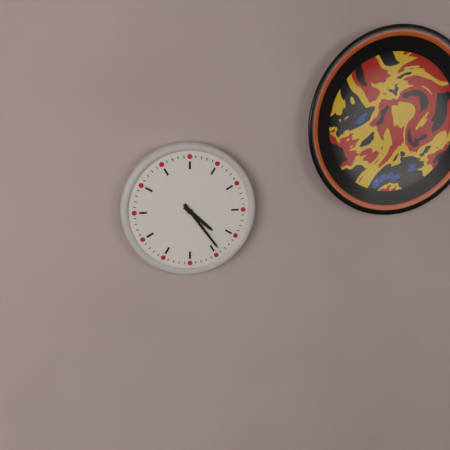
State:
4,24
